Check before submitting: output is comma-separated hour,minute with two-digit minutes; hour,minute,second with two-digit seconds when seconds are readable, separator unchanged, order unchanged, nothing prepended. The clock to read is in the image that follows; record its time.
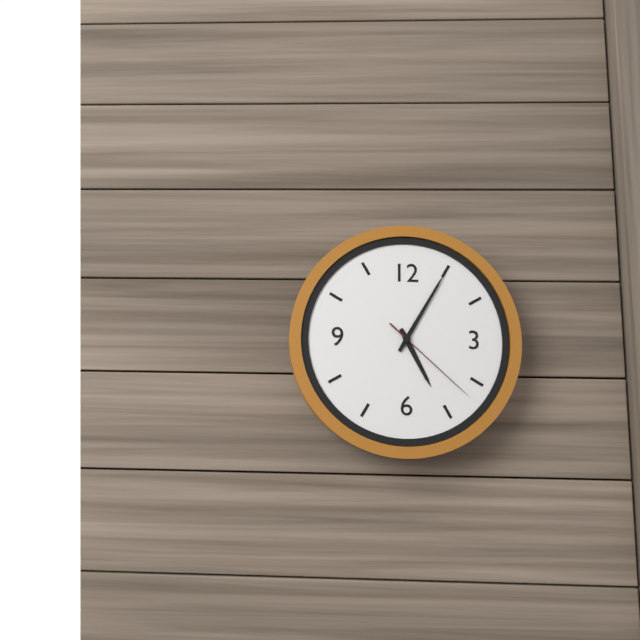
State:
5,05,22
